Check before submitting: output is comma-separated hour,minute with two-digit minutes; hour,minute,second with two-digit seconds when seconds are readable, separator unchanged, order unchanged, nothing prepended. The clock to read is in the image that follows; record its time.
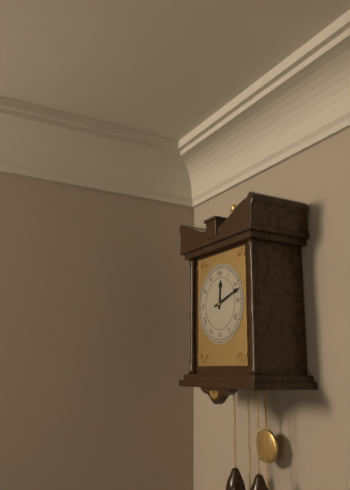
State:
12,12
